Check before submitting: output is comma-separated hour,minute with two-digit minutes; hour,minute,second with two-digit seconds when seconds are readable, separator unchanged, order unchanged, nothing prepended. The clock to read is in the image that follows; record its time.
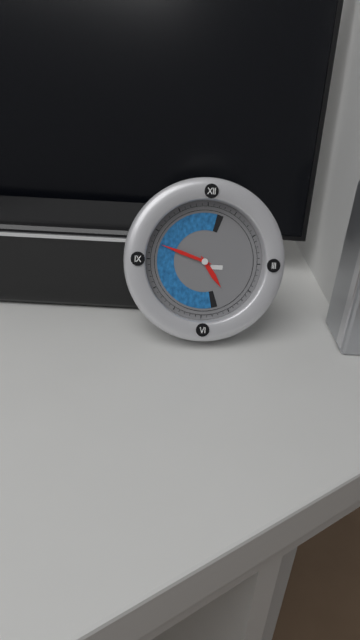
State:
4,48
